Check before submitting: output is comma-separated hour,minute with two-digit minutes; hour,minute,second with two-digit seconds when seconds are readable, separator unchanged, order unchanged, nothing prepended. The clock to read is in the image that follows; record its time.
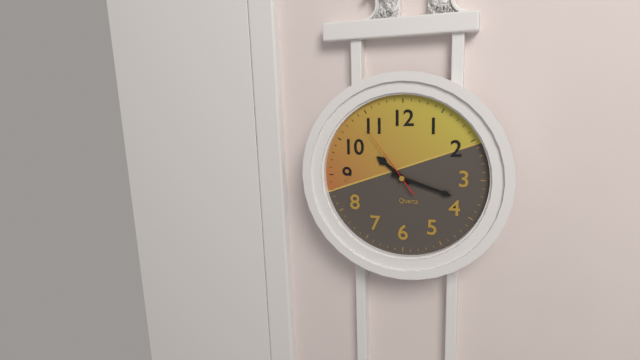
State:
10,18,54
